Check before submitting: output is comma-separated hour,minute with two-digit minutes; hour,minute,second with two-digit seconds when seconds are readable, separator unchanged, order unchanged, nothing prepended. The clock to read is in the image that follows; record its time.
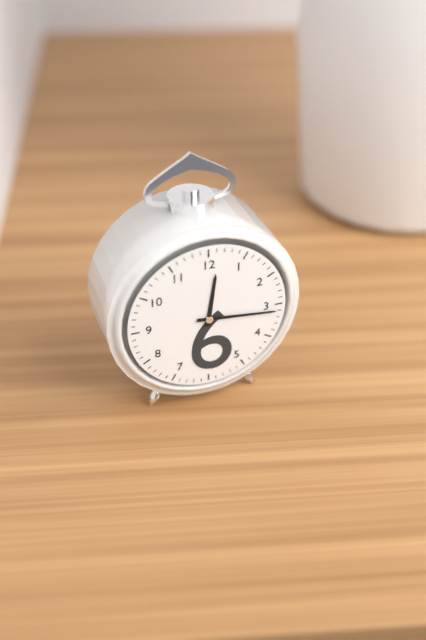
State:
12,16
